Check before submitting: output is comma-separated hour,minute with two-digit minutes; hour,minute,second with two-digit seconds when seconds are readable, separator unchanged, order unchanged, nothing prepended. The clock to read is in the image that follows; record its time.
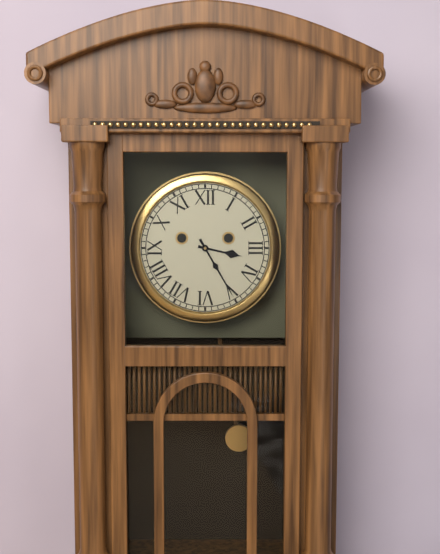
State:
3,25
